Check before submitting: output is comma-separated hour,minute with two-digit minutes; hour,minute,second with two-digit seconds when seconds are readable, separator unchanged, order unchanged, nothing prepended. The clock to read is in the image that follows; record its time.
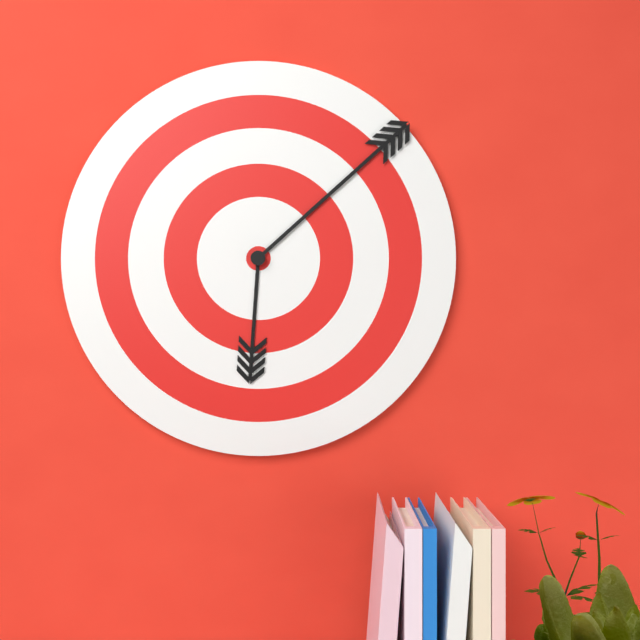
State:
6,08
